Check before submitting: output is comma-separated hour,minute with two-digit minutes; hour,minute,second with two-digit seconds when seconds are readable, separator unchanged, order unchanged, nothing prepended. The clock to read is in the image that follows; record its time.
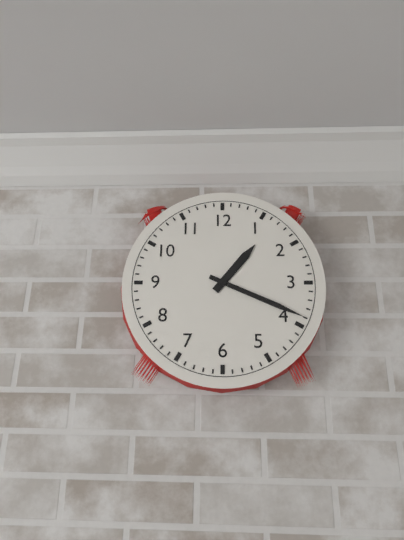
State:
1,19
